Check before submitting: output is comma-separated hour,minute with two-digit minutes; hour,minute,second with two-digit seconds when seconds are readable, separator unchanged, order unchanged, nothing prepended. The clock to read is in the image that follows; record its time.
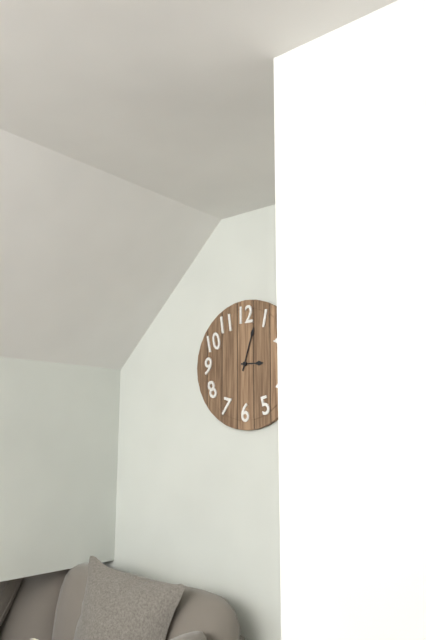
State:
3,03
